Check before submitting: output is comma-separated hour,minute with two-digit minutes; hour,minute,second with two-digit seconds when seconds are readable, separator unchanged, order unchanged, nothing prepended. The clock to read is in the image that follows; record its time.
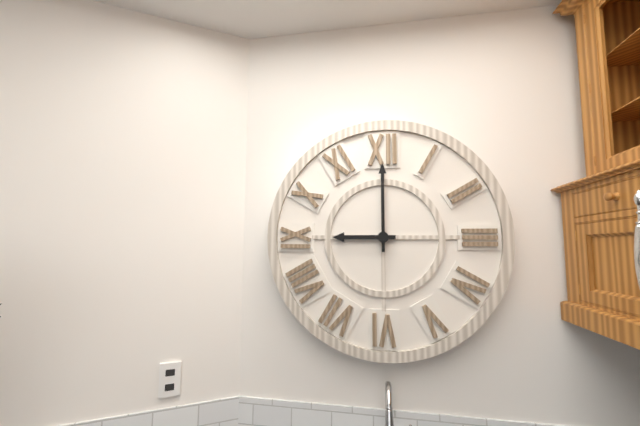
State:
9,00
